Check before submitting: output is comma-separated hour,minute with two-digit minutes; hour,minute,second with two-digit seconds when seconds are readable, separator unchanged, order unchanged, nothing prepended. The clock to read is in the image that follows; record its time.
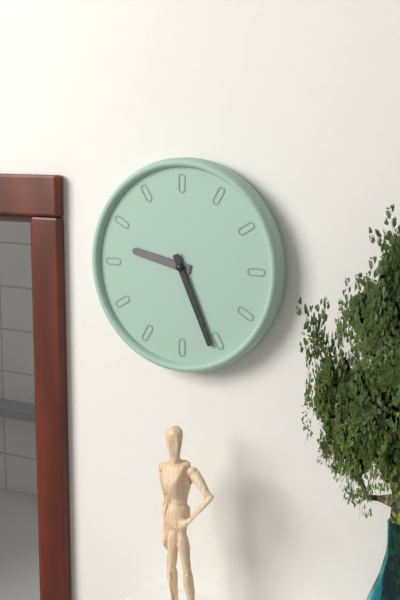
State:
9,26
